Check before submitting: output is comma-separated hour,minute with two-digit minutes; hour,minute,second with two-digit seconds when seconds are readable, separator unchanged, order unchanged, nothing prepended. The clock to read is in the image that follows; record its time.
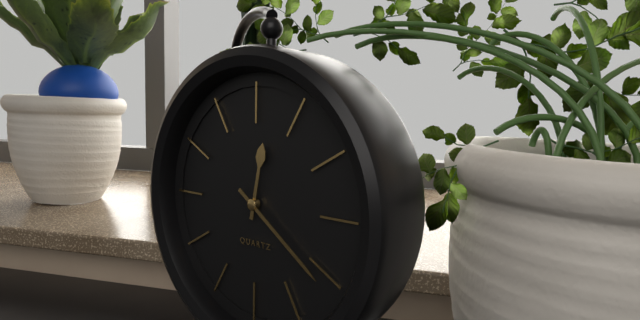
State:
12,21
